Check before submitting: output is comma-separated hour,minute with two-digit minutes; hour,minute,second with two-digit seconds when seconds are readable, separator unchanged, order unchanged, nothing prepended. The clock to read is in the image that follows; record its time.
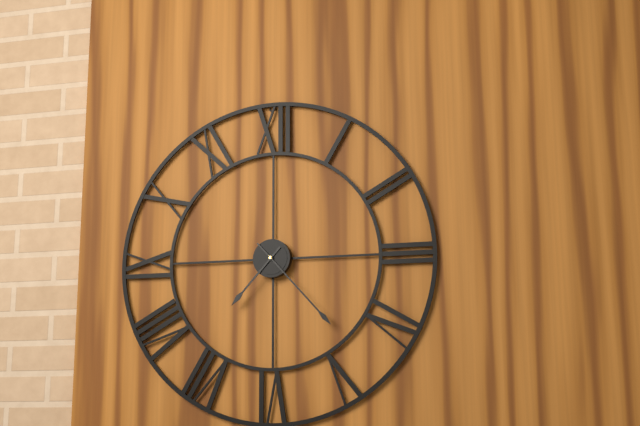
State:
7,23
